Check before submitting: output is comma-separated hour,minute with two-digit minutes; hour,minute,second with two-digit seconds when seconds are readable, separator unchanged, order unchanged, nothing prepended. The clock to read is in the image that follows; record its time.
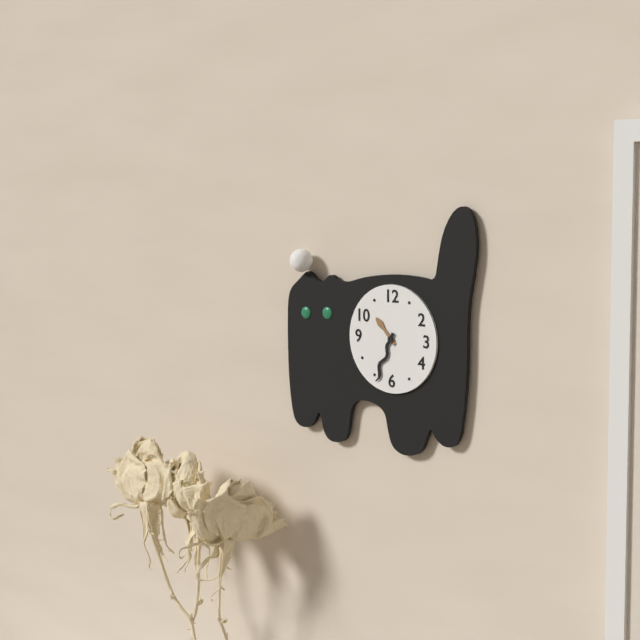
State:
10,34
